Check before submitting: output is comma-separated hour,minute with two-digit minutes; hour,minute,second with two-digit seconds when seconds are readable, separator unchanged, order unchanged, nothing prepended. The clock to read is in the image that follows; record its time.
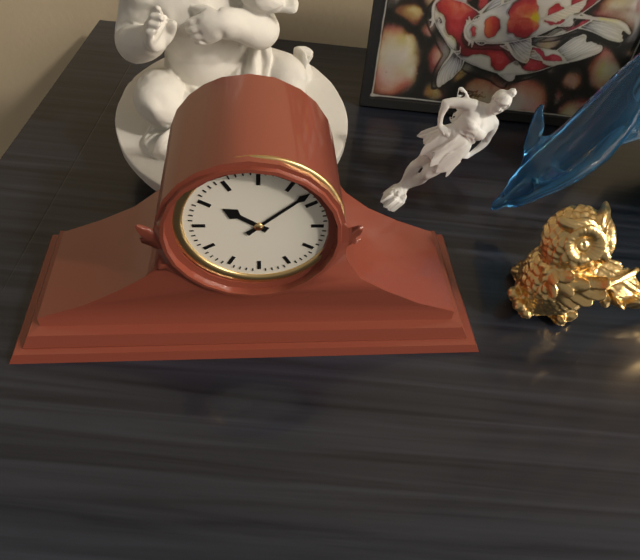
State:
10,08
